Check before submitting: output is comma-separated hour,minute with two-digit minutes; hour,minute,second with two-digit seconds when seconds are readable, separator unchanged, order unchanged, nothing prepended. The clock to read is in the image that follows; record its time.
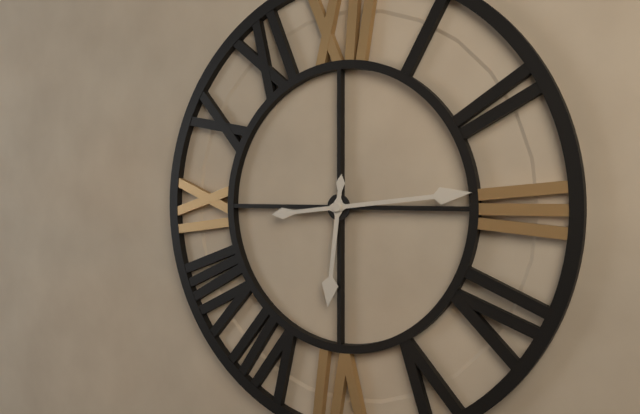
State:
6,14
